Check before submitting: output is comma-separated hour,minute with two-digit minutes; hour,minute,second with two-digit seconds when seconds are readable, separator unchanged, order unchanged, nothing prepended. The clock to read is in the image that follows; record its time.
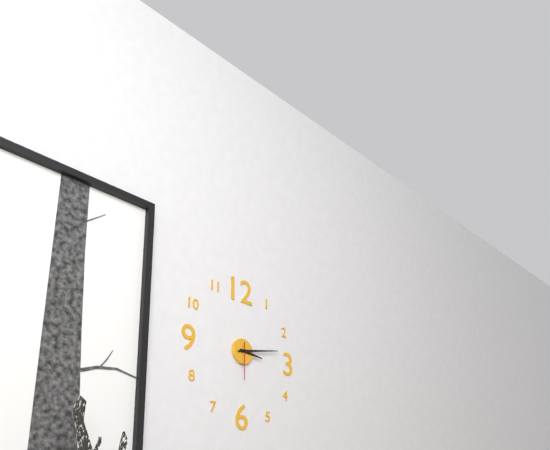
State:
3,13
